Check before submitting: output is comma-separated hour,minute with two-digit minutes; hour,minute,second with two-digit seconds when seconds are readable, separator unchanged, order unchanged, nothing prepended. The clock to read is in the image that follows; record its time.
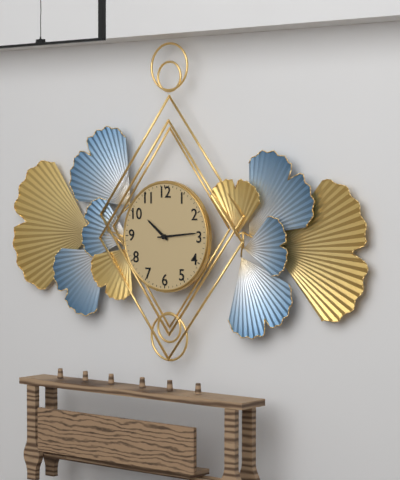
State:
10,14
